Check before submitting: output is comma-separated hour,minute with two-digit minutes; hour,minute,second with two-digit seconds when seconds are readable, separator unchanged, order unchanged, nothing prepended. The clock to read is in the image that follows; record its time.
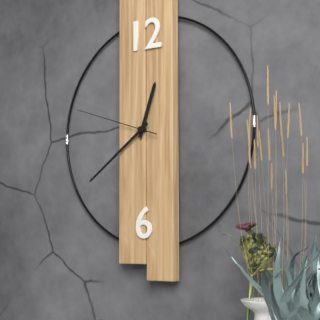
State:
12,39,48
